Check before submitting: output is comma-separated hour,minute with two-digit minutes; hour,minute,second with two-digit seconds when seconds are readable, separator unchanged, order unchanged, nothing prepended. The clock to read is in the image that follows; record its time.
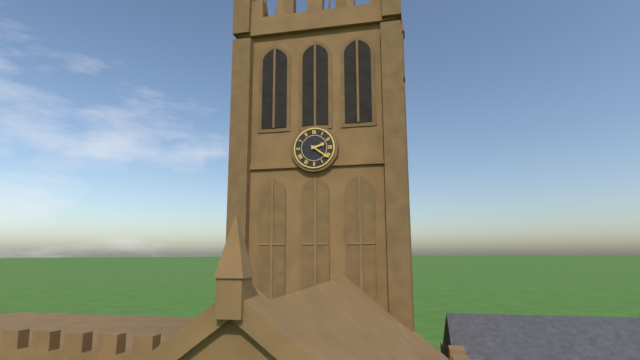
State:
2,21
